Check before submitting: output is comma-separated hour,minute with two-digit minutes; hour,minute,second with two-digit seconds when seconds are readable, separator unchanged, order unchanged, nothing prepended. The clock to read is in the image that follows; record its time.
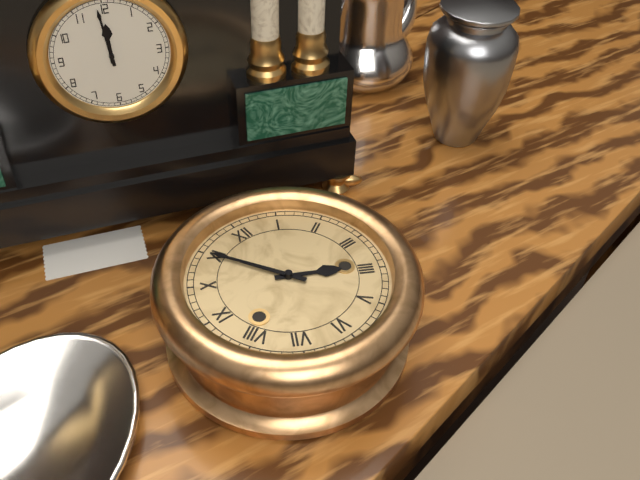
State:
3,55
